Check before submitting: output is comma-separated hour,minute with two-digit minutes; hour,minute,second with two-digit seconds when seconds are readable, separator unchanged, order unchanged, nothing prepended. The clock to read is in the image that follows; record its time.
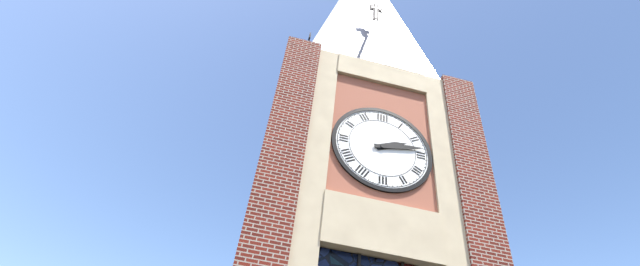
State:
2,13
